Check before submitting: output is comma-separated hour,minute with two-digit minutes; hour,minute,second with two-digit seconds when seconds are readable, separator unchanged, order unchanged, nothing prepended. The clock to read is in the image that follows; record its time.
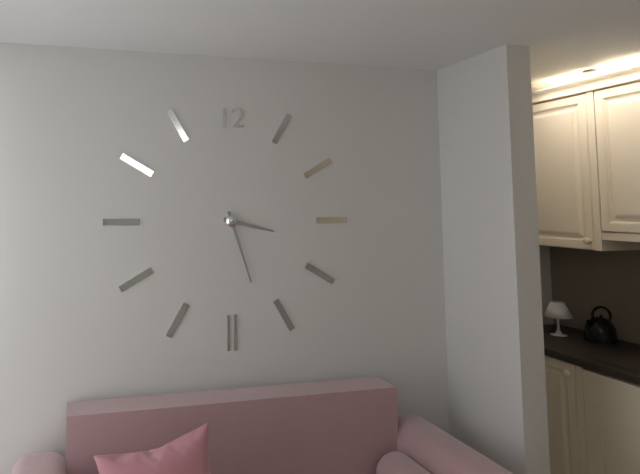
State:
3,27
